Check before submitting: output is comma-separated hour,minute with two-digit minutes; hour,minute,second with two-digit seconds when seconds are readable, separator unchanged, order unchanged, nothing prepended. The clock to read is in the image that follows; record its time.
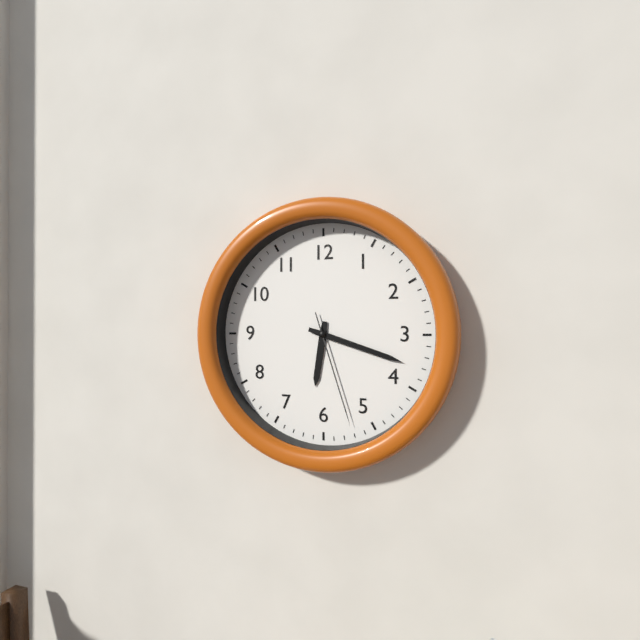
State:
6,18,27
